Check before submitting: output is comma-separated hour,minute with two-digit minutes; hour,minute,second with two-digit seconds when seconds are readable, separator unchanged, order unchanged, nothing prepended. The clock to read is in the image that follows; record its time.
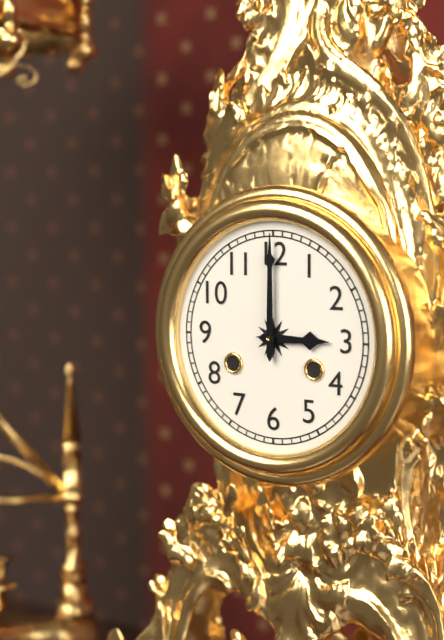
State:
3,00
